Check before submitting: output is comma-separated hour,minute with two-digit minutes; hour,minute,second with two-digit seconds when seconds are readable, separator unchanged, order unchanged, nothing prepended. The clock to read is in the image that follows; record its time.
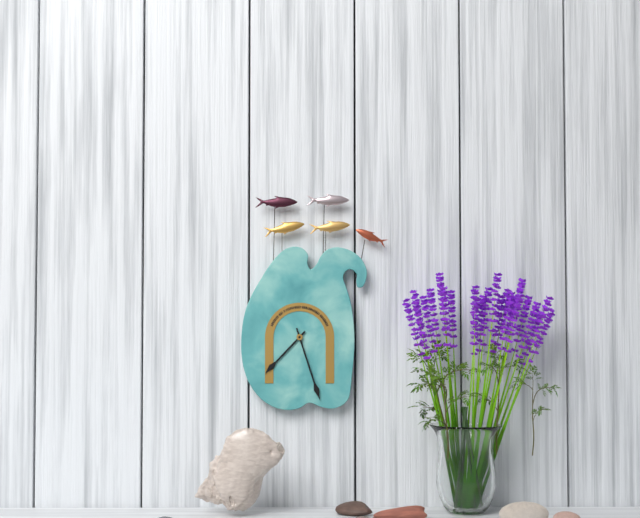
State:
7,27
